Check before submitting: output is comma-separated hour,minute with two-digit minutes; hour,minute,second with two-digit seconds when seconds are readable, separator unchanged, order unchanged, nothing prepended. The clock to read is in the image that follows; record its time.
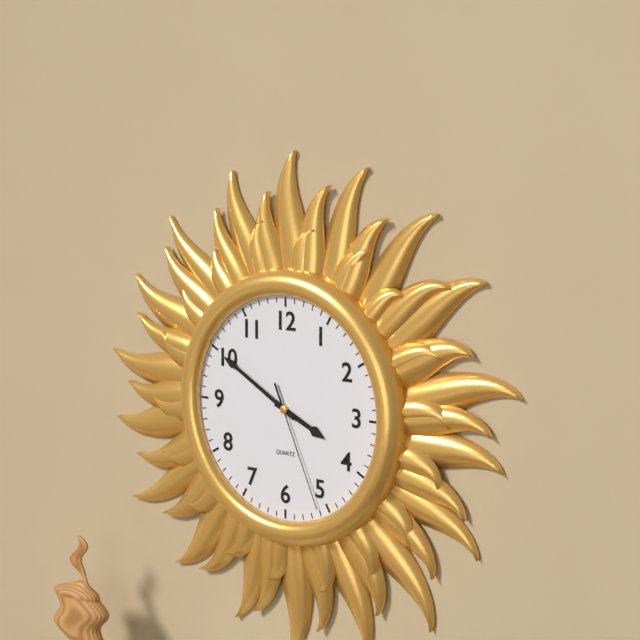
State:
3,50,26
